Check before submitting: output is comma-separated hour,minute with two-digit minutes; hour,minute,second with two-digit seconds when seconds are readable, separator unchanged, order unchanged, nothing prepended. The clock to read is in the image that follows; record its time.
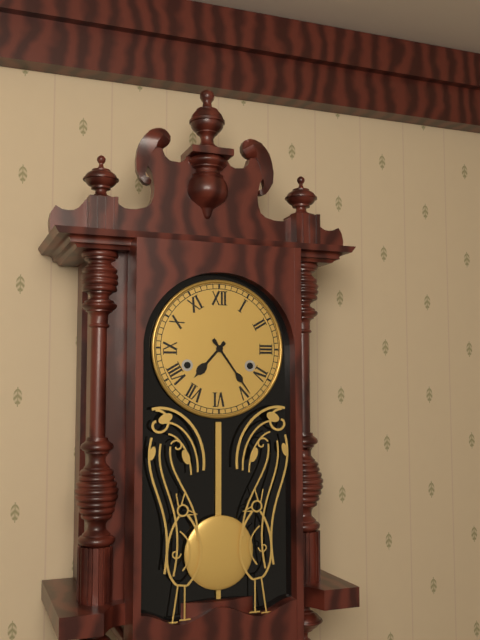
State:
7,24
